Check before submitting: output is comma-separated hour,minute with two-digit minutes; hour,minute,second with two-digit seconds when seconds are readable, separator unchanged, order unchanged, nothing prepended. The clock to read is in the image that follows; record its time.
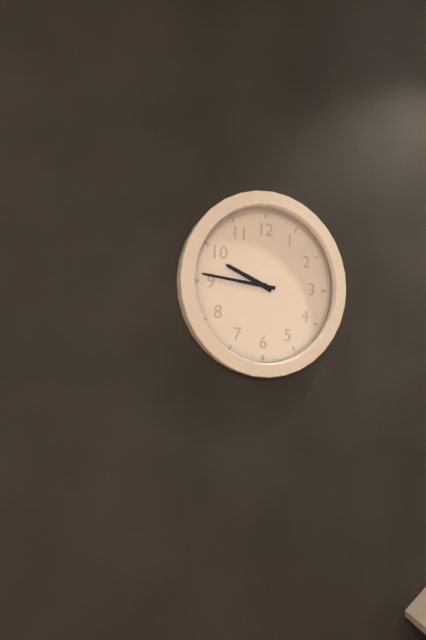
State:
9,46
